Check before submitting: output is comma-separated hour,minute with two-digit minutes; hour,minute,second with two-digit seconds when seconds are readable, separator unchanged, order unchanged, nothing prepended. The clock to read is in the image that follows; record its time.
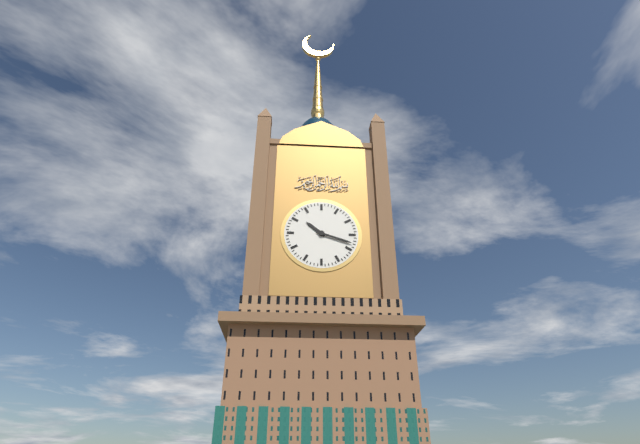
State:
10,18
